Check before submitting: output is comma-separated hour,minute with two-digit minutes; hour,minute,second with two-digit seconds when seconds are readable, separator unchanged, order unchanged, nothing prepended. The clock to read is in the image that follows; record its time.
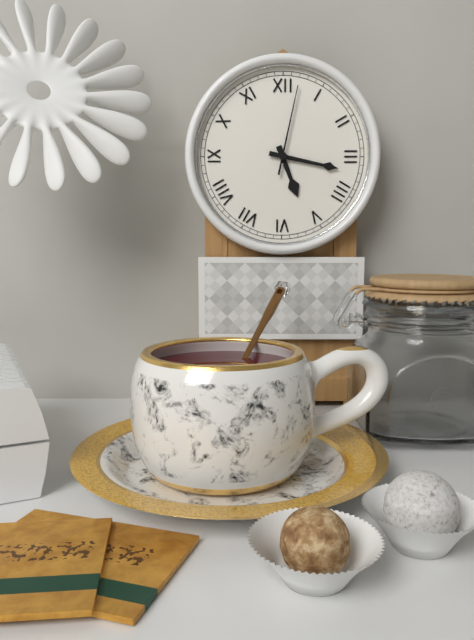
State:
5,17,02
